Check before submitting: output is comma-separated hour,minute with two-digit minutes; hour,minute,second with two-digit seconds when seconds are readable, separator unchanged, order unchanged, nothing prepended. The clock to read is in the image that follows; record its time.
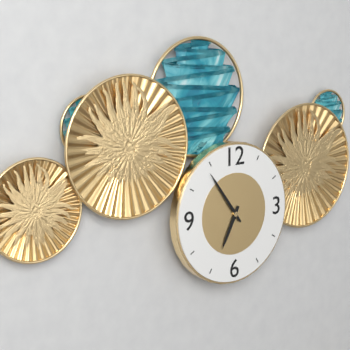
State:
6,54
